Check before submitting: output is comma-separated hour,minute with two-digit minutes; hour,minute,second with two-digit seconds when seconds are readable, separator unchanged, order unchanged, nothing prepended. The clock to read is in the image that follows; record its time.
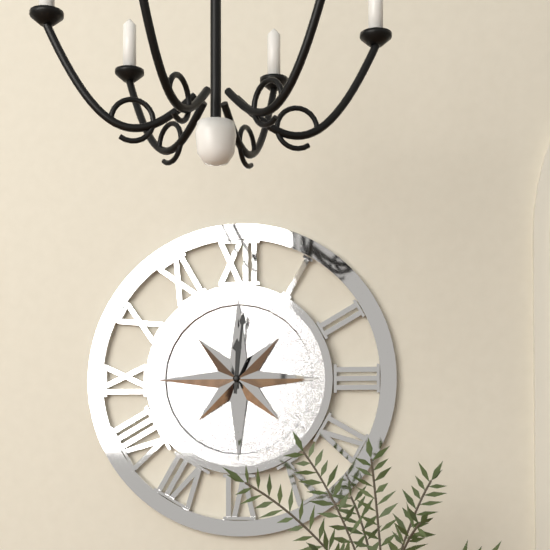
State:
12,01
